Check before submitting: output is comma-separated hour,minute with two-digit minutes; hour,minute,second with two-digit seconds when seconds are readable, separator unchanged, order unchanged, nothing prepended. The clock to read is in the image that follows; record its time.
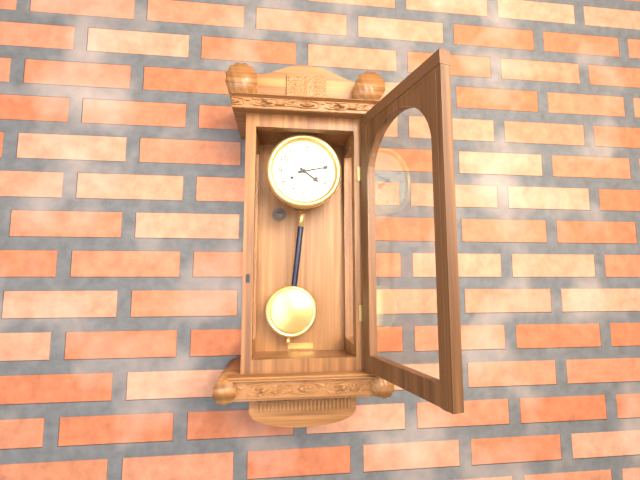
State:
4,13
